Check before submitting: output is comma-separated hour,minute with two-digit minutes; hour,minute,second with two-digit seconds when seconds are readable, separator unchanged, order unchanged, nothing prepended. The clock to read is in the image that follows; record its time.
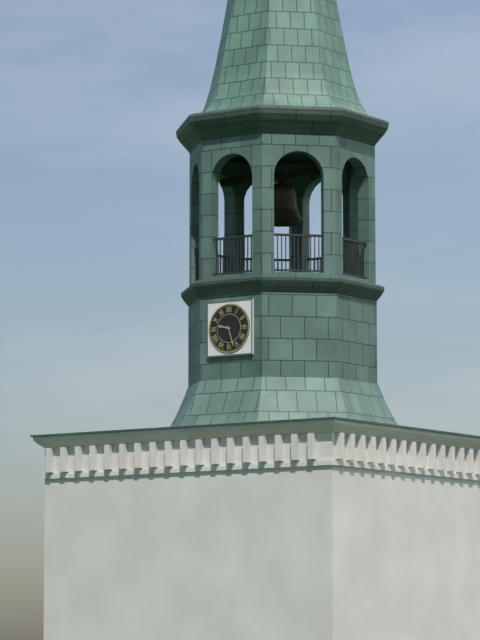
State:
9,27
